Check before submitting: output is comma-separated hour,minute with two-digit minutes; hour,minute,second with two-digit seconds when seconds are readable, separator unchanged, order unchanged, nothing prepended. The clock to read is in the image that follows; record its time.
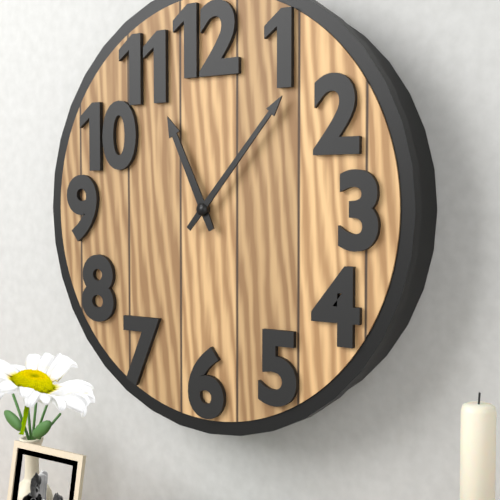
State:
11,07
